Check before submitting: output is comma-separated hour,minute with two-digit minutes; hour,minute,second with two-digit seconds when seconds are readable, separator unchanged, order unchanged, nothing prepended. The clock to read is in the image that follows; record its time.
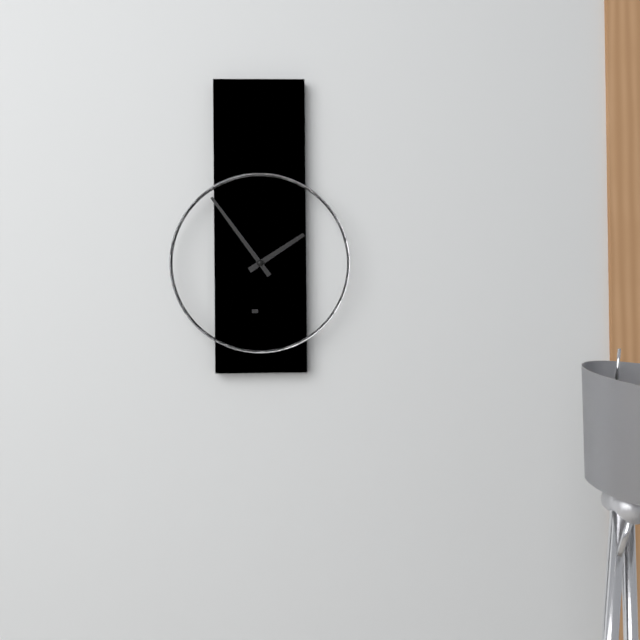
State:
1,54
